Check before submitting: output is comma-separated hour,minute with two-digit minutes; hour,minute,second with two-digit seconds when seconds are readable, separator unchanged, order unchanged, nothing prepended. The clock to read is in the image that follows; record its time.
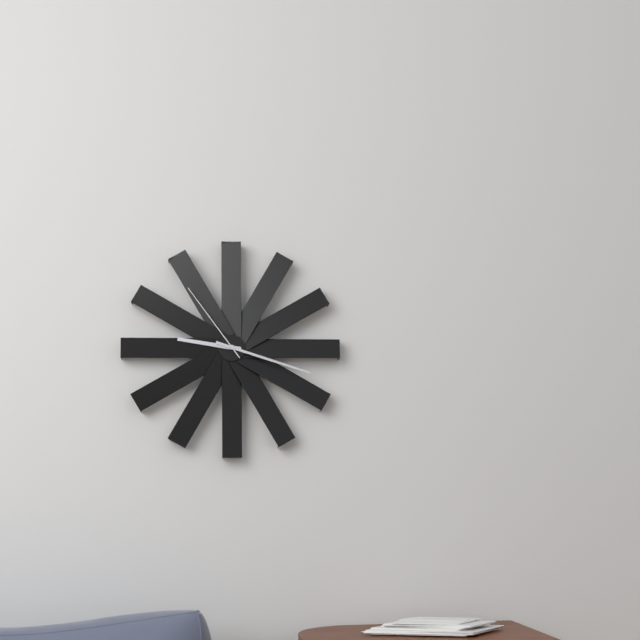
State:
9,18,54
